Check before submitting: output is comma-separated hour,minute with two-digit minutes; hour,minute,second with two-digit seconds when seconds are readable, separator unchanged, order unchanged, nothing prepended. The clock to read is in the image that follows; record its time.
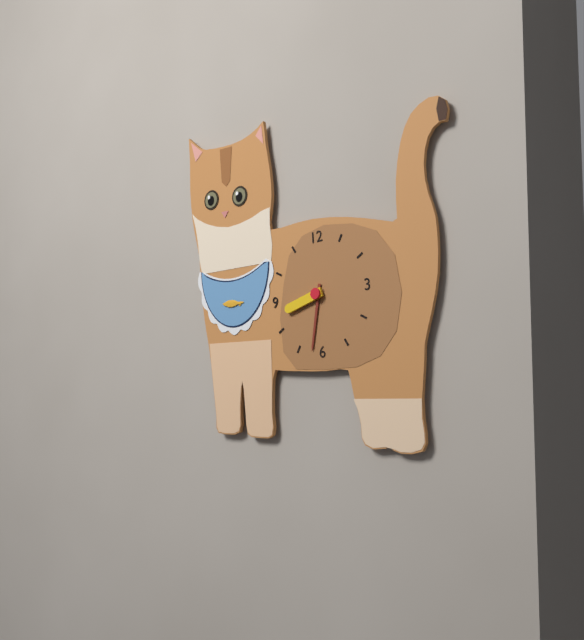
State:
8,32
